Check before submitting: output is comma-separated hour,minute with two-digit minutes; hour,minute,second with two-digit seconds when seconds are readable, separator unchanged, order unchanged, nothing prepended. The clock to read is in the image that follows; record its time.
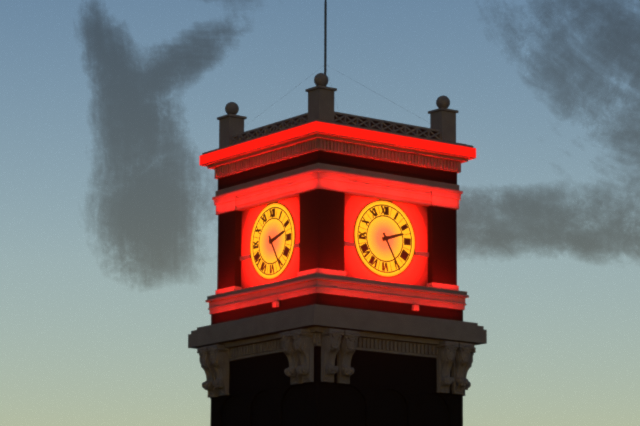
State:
2,25
